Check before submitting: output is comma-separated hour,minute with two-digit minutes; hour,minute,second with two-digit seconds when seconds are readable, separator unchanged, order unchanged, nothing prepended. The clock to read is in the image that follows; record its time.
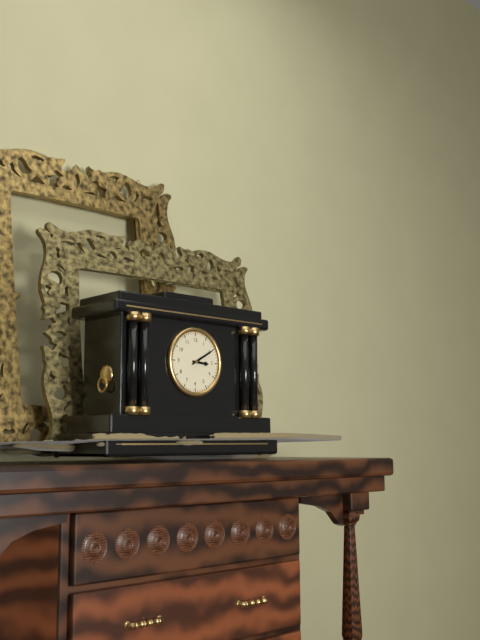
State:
3,10
